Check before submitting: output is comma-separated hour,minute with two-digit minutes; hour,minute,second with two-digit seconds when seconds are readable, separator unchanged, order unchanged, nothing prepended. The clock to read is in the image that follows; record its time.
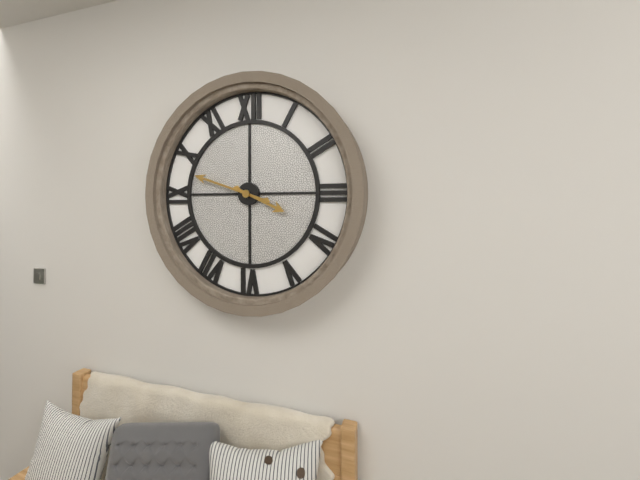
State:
3,48
